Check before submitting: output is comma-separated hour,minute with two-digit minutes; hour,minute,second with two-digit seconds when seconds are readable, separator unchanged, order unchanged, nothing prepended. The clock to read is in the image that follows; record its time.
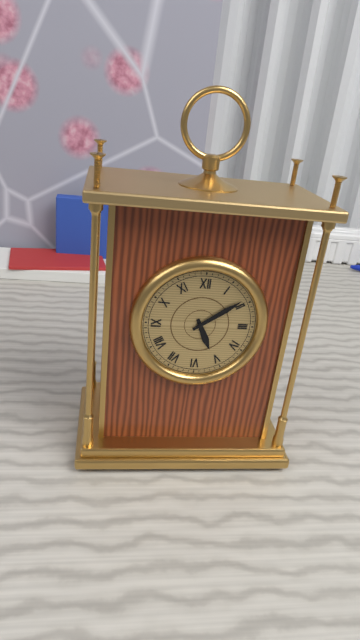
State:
5,09
